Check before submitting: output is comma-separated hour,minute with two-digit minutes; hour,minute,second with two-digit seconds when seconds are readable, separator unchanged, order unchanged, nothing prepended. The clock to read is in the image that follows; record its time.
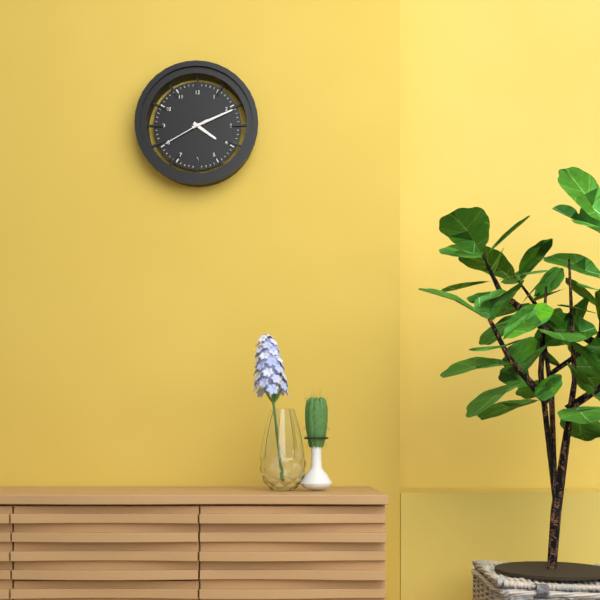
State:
4,11
